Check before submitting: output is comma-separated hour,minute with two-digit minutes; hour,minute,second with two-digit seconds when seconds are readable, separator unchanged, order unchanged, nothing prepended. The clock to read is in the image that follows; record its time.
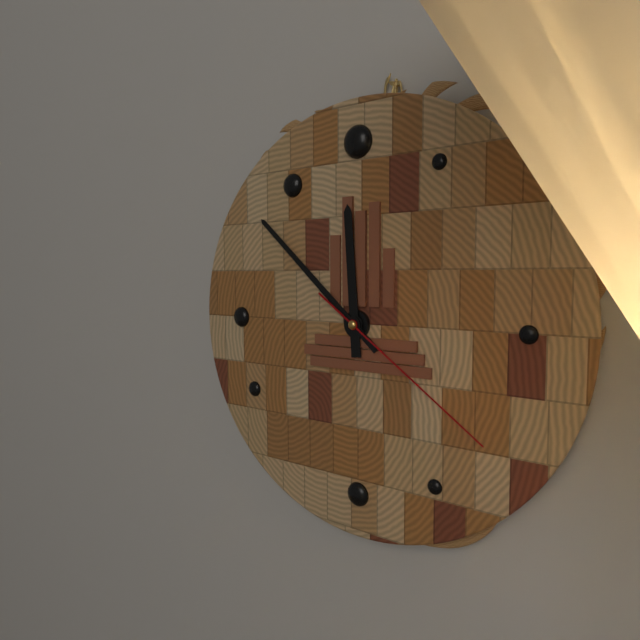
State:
11,52,21
